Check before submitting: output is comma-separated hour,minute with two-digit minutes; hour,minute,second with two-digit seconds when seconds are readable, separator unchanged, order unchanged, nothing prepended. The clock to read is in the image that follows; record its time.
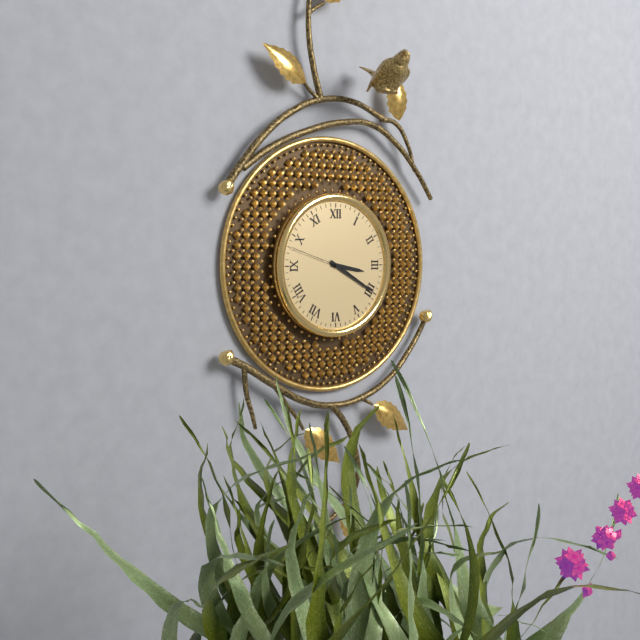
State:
3,20
